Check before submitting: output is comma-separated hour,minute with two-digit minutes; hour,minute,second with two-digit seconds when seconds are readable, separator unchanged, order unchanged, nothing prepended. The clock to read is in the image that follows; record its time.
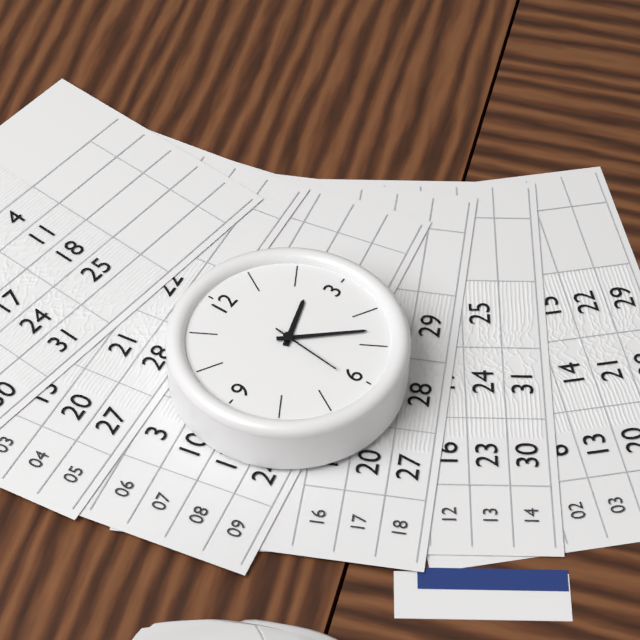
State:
2,23,31
